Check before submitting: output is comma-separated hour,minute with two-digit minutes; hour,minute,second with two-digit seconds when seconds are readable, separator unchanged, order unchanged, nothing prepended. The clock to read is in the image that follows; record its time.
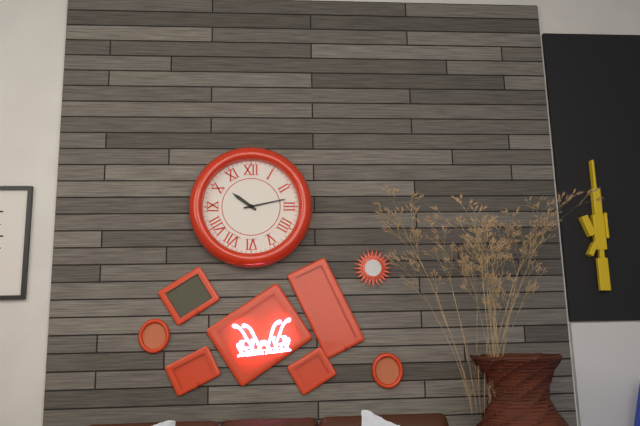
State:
10,13
